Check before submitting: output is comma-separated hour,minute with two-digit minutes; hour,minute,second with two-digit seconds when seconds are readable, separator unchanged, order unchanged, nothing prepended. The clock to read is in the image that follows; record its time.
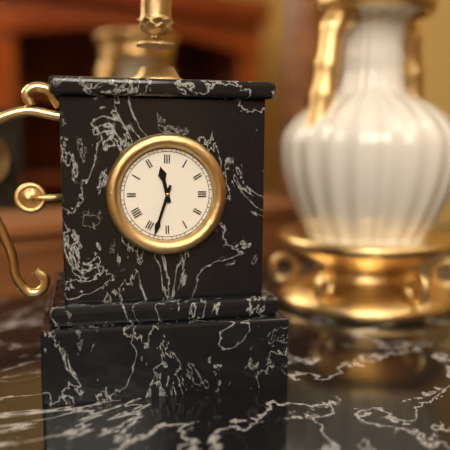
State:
11,33
